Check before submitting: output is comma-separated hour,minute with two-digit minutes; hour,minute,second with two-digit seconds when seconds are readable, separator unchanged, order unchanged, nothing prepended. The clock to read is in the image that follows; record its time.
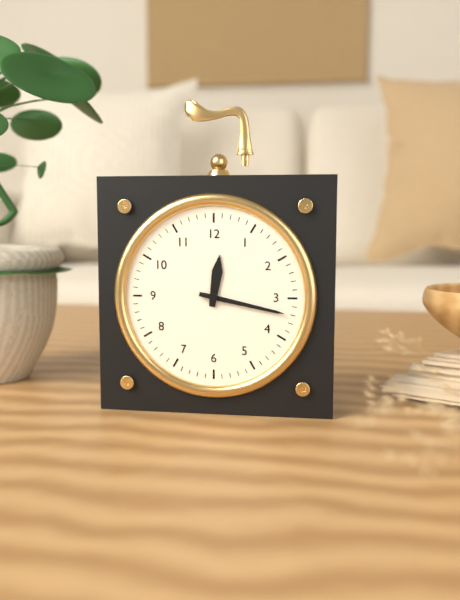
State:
12,17
